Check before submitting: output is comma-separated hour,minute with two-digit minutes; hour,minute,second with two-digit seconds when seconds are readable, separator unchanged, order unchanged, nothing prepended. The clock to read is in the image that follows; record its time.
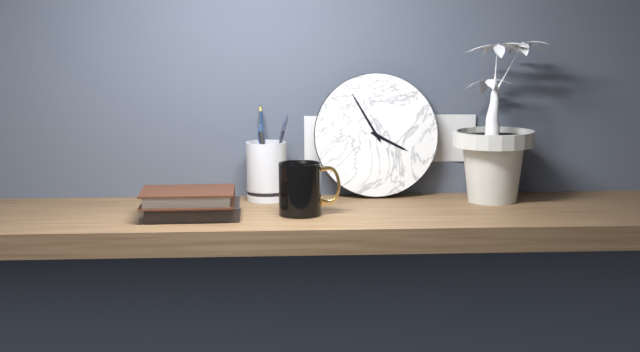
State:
3,55
